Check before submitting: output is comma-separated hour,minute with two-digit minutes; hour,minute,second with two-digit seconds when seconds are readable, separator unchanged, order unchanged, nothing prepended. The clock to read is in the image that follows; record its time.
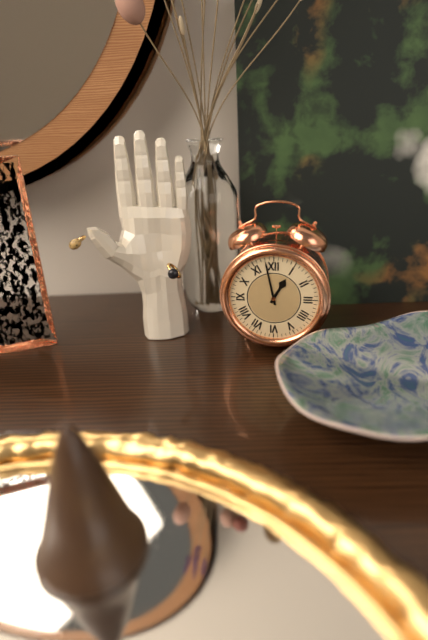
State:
12,58
